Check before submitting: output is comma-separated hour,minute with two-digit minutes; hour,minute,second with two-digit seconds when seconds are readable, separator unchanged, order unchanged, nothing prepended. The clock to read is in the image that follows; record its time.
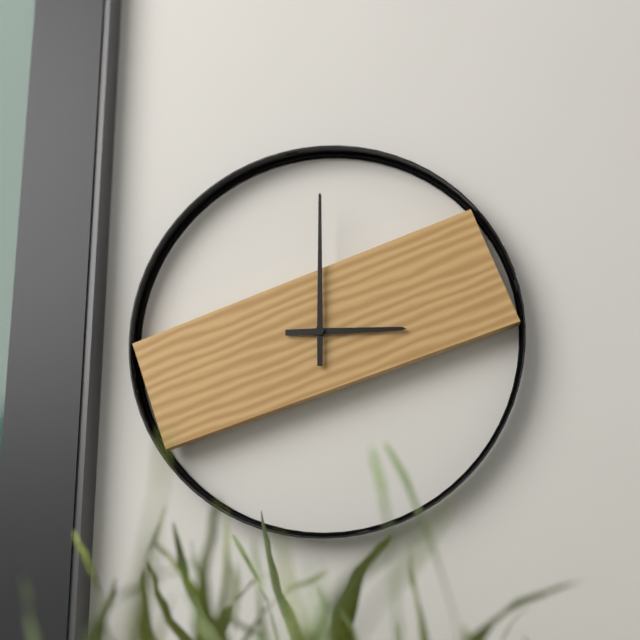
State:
3,00
